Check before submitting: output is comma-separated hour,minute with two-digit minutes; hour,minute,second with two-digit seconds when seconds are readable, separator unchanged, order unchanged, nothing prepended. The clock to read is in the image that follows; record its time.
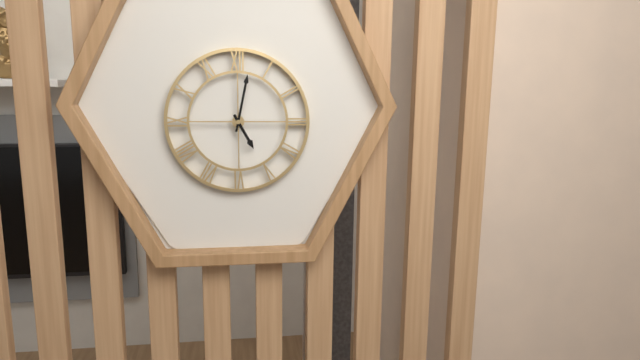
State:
5,02
